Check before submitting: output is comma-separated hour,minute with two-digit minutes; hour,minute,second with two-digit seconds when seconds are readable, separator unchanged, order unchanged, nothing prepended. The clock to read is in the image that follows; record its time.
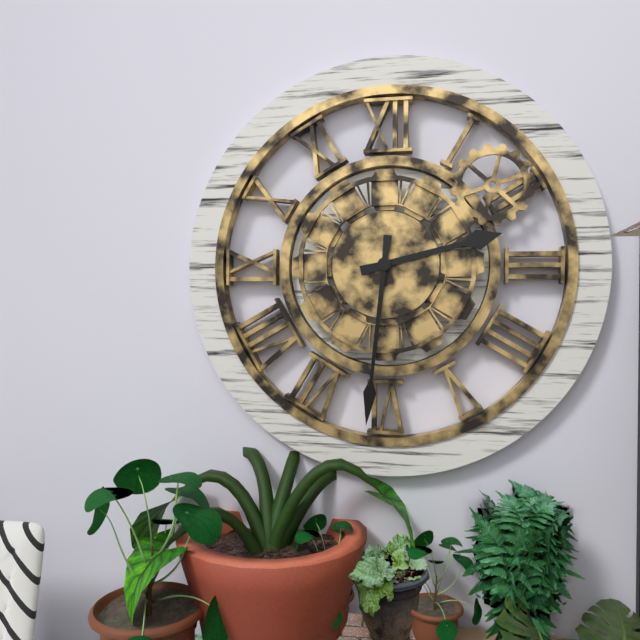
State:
2,31
